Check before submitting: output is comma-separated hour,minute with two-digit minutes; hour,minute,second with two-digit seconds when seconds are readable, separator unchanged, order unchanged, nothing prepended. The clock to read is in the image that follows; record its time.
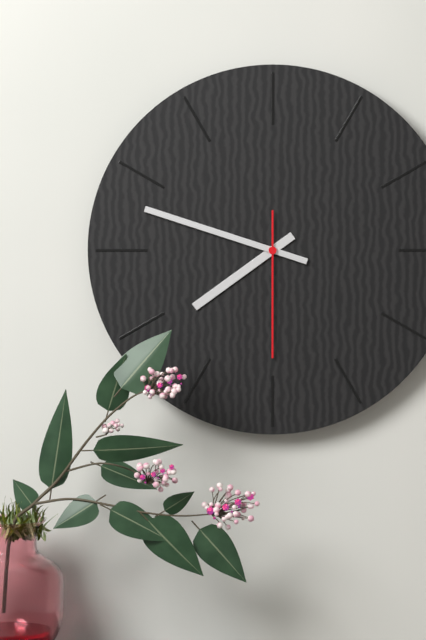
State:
7,48,30
